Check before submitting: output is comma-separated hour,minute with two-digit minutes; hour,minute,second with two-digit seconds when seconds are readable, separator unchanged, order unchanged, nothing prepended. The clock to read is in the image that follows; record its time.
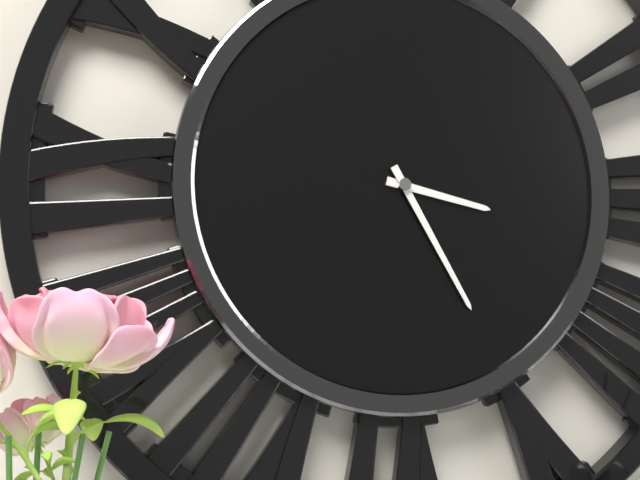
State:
3,25
